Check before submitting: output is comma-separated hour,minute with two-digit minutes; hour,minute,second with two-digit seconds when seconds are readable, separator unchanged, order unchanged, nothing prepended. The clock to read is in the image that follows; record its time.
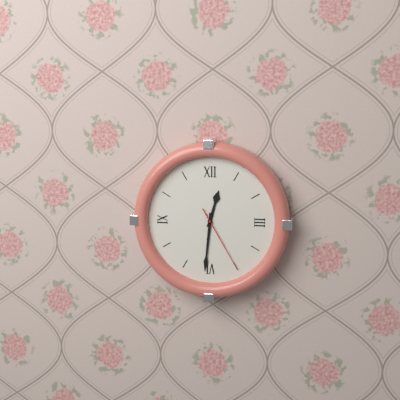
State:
12,31,25
